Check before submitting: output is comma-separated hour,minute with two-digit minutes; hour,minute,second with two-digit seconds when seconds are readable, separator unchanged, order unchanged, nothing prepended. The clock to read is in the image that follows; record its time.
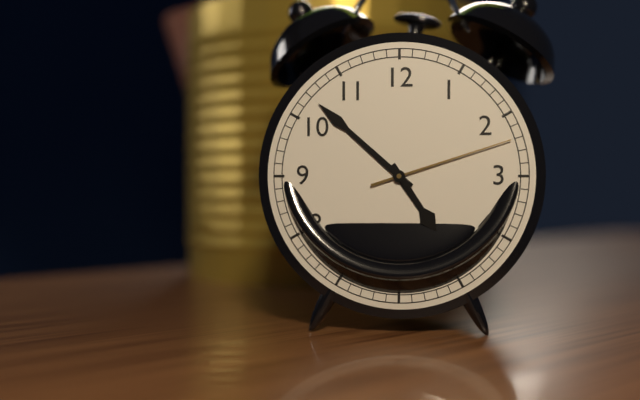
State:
4,52,12
